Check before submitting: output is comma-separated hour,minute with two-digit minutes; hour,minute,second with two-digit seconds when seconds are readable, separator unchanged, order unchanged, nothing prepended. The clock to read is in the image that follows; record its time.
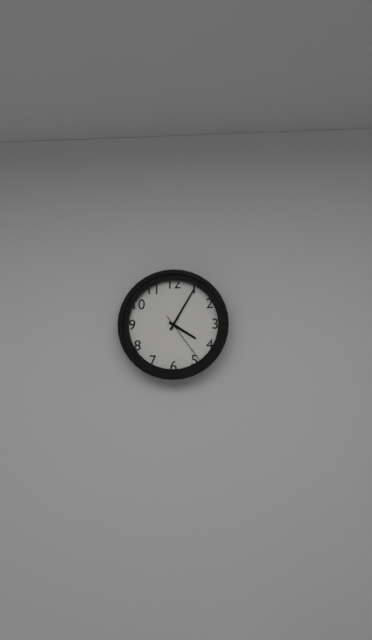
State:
4,05,24
